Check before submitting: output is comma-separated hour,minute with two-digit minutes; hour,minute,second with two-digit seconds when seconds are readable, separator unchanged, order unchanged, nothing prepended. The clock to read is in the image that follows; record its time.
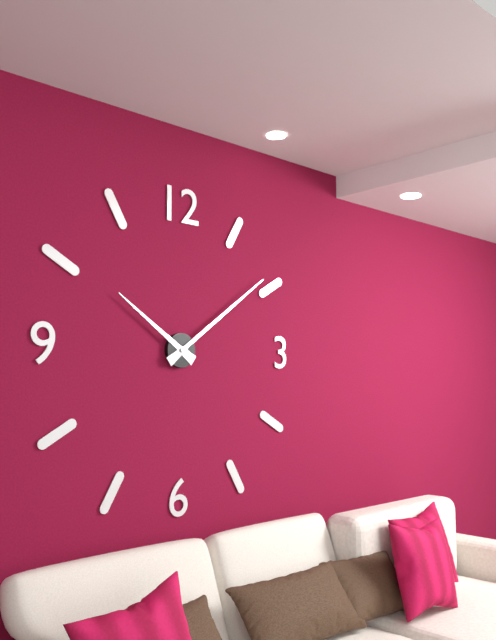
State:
10,09
